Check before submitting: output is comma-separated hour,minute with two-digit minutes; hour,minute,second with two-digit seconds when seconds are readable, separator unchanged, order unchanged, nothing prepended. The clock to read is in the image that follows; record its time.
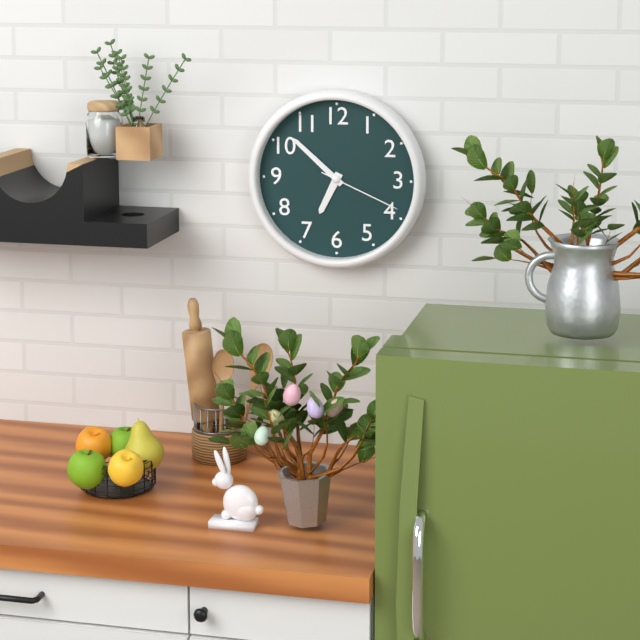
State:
6,52,19
